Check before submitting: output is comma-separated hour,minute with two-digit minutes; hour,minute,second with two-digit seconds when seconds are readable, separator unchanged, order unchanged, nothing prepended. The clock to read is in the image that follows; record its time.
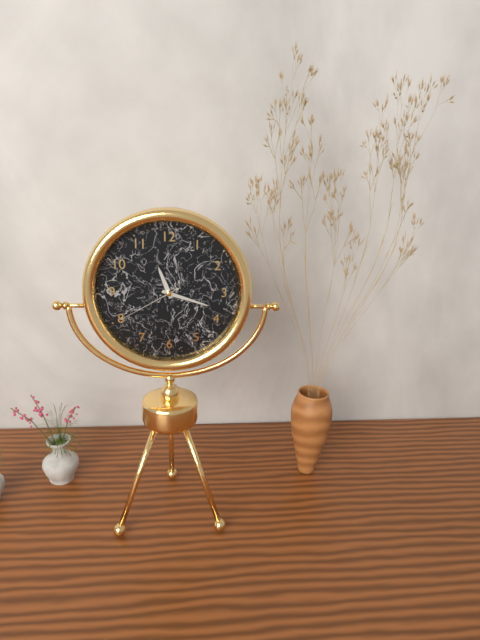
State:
11,18,40
